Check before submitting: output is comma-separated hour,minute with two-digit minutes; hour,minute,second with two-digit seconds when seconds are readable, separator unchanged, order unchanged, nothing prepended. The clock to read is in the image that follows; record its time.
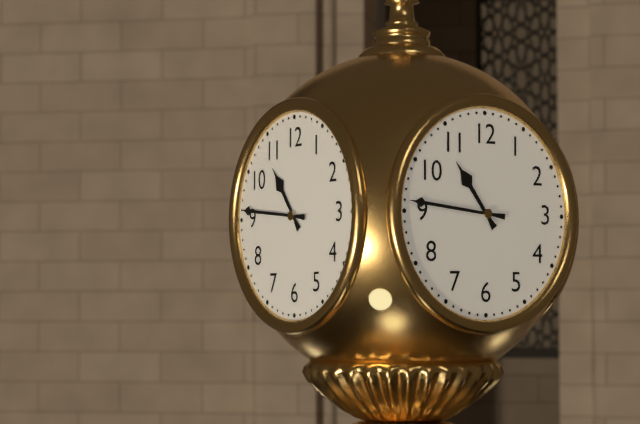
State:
10,46
